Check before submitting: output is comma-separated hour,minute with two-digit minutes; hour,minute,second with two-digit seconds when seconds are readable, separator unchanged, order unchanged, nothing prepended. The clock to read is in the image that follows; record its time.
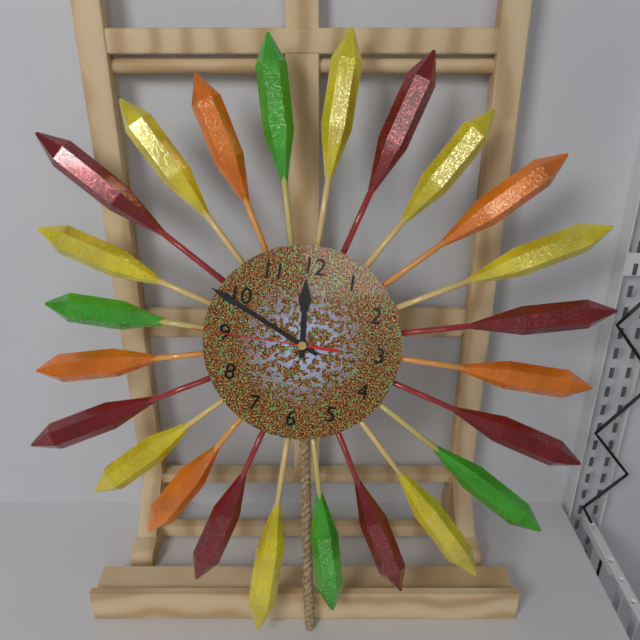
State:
11,49,45
